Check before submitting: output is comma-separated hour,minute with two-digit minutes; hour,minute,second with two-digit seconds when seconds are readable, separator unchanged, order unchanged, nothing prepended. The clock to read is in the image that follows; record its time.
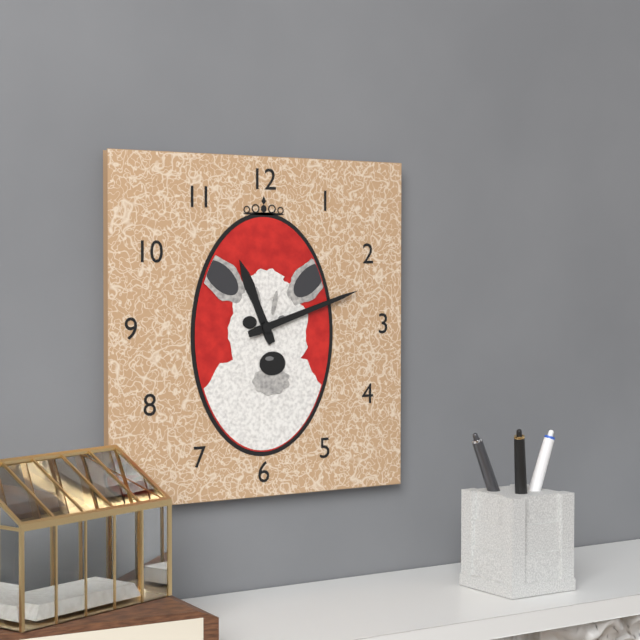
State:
11,12
